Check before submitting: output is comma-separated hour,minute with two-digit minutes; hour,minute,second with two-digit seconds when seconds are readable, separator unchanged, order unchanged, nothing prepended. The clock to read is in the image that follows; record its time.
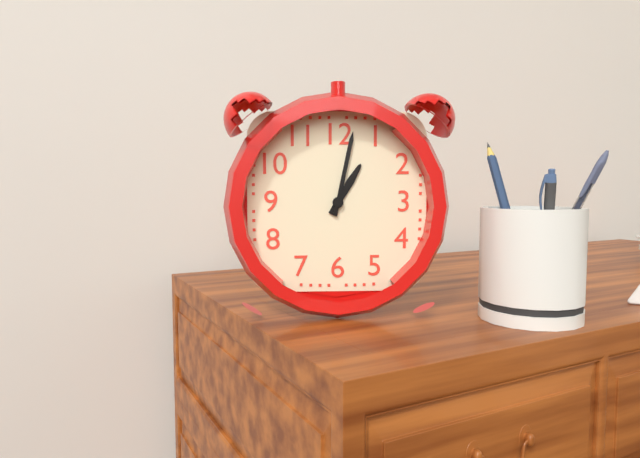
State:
1,02
